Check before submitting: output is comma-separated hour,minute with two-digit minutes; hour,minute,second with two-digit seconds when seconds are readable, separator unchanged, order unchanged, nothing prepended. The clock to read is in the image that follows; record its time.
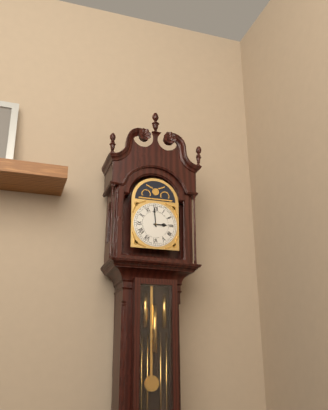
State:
2,59
